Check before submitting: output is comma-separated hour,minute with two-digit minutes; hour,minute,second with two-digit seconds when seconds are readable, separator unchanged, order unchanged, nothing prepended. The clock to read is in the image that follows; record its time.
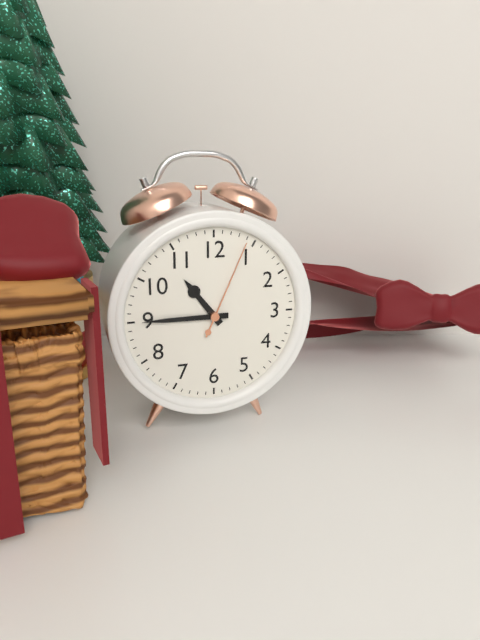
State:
10,45,04
